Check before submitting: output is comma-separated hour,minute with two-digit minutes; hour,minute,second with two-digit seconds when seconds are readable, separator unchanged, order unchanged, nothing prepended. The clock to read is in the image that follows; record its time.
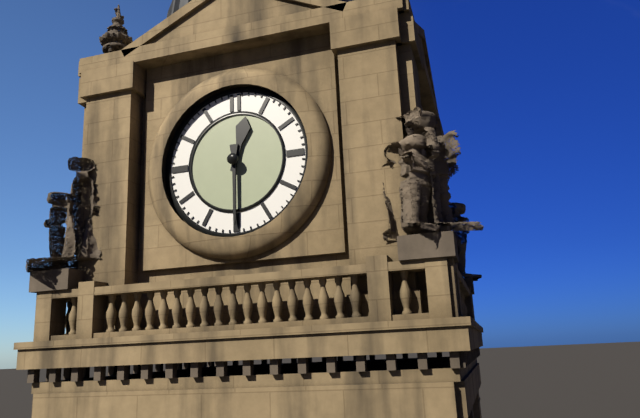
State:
12,30
